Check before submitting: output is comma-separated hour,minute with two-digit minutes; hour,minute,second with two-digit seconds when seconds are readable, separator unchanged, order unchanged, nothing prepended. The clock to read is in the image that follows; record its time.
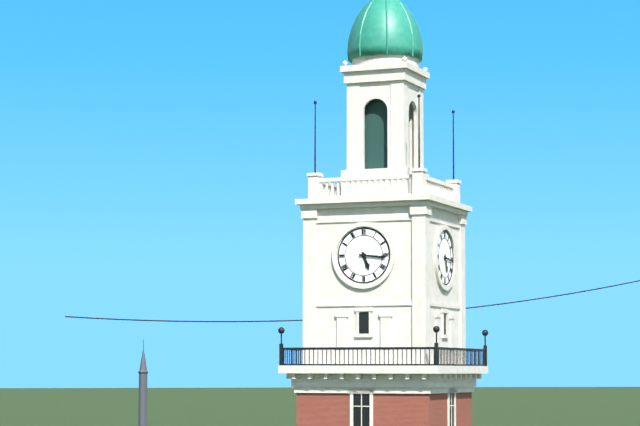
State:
5,16
